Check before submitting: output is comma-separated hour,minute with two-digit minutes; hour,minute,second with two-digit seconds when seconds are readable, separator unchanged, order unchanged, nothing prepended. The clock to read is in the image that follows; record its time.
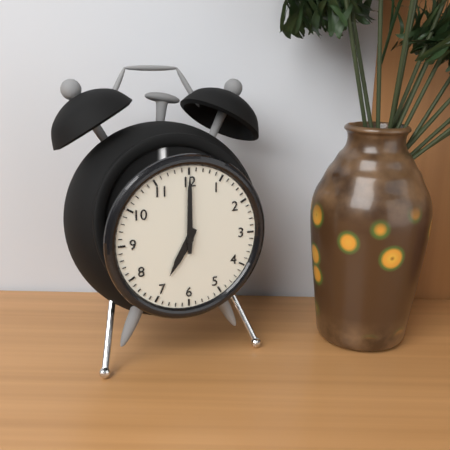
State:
7,00
